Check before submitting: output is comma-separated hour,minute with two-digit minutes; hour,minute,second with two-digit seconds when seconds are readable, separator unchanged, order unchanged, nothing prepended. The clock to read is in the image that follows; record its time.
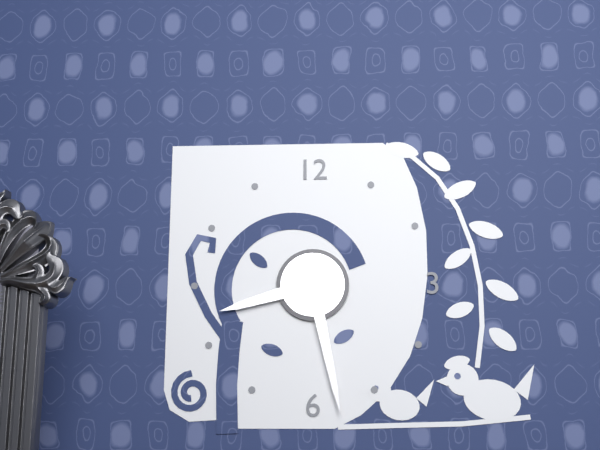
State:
8,28
